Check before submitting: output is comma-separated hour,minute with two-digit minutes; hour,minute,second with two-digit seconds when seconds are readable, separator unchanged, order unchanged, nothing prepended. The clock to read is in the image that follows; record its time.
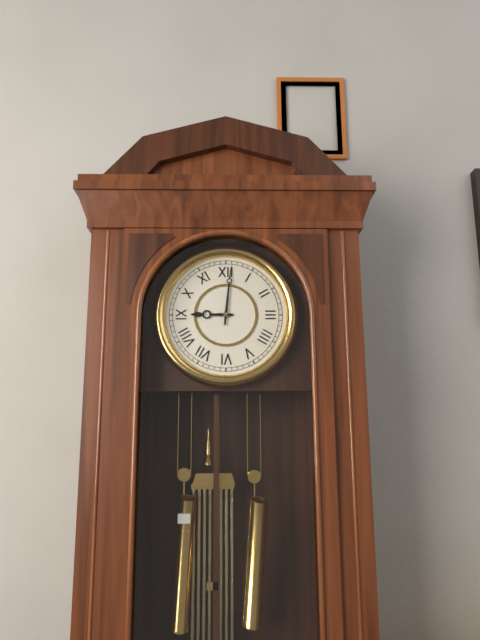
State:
9,01
